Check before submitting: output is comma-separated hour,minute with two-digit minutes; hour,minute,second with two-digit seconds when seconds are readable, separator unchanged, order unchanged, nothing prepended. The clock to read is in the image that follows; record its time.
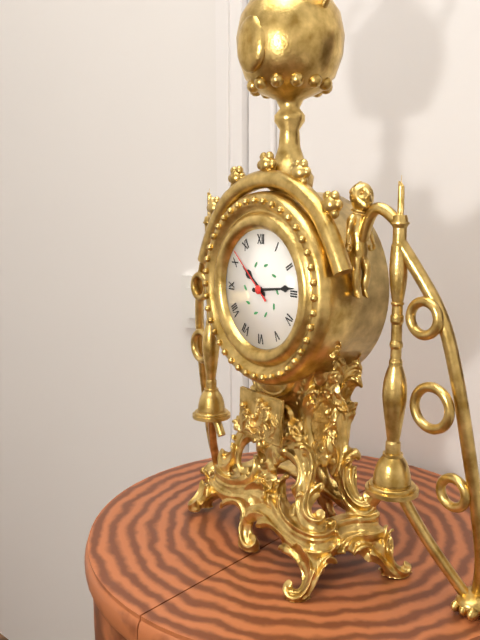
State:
10,14,52
